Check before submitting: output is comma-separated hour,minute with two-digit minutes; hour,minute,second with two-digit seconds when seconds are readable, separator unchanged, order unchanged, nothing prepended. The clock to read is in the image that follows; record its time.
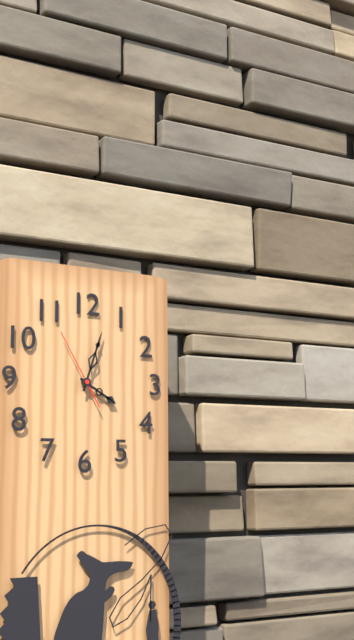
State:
4,03,55
